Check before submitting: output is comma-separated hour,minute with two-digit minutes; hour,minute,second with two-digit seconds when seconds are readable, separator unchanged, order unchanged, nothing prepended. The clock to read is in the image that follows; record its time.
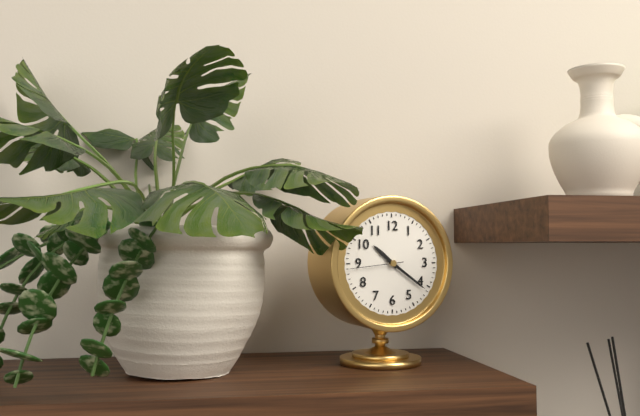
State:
10,21,44
